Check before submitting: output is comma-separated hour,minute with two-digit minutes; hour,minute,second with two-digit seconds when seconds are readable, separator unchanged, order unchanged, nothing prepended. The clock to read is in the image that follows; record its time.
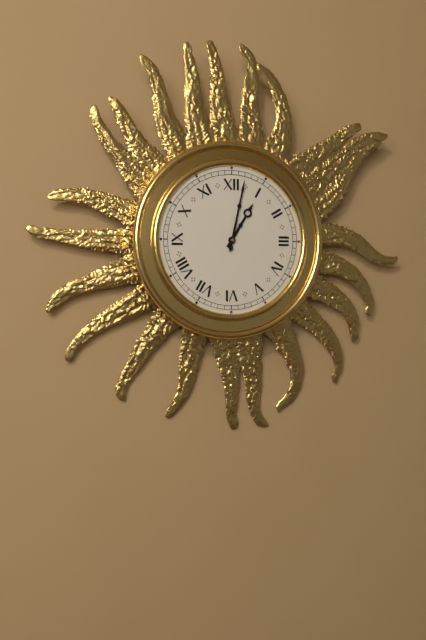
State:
1,02
